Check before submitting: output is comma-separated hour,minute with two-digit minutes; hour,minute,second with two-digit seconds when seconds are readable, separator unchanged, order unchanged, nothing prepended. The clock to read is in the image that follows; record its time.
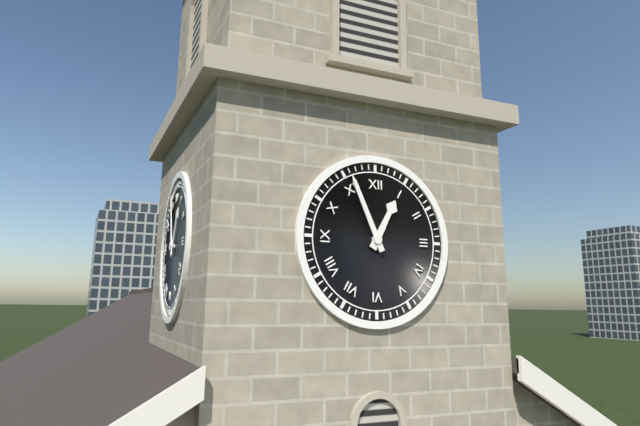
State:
12,56
